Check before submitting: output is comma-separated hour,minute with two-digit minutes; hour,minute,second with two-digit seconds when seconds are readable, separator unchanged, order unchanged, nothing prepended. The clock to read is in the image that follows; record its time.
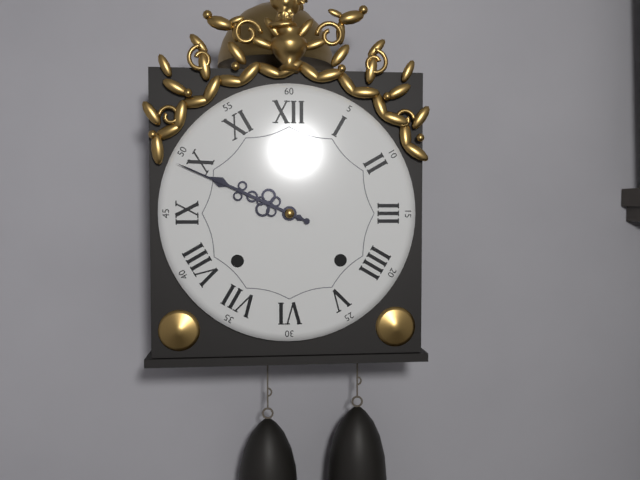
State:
9,49
